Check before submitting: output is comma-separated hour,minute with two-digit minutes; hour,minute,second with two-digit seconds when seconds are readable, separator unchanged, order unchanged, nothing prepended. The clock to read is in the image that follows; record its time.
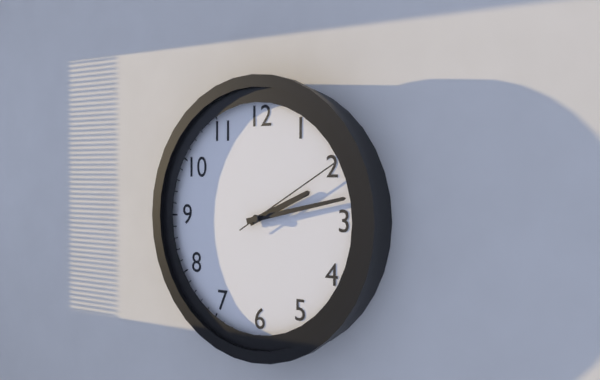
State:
2,13,10
